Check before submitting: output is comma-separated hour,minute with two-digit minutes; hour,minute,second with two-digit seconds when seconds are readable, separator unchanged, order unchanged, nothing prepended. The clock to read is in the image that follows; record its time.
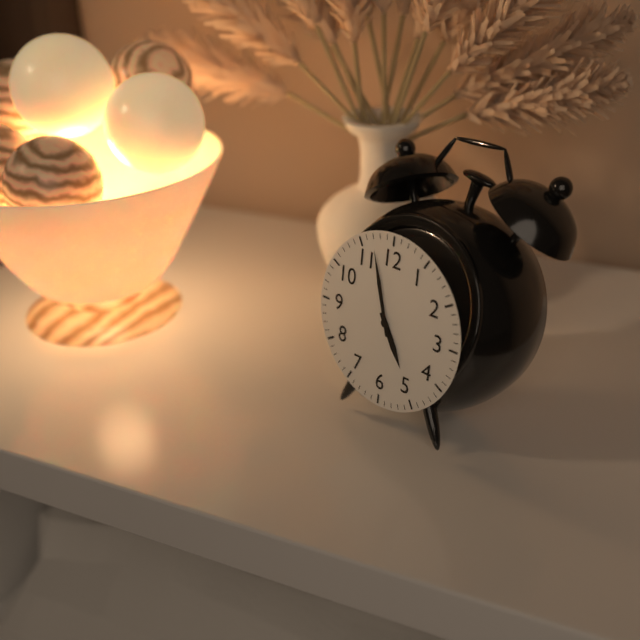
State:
4,57
